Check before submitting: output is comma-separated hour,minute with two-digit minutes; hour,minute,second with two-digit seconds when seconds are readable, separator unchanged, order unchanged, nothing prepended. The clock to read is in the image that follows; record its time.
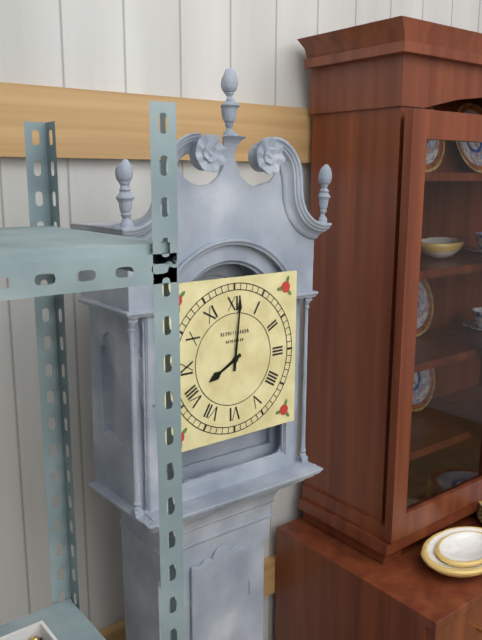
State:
8,01
